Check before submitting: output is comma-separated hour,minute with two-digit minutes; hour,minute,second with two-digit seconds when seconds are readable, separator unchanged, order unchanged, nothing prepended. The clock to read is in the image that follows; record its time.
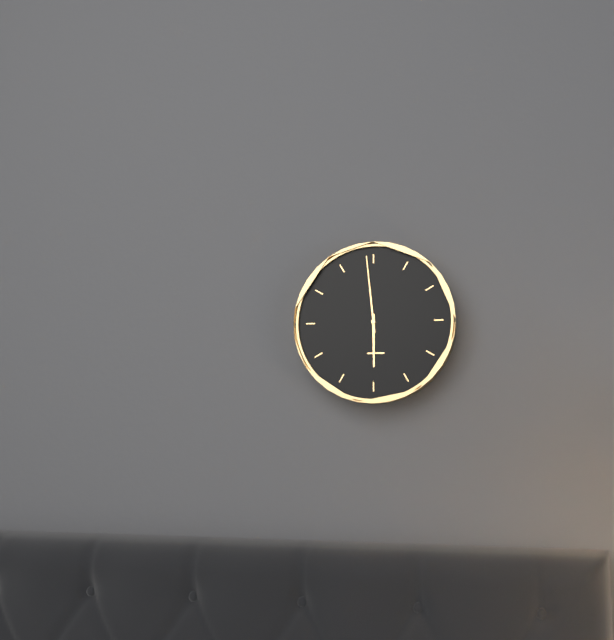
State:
5,59
